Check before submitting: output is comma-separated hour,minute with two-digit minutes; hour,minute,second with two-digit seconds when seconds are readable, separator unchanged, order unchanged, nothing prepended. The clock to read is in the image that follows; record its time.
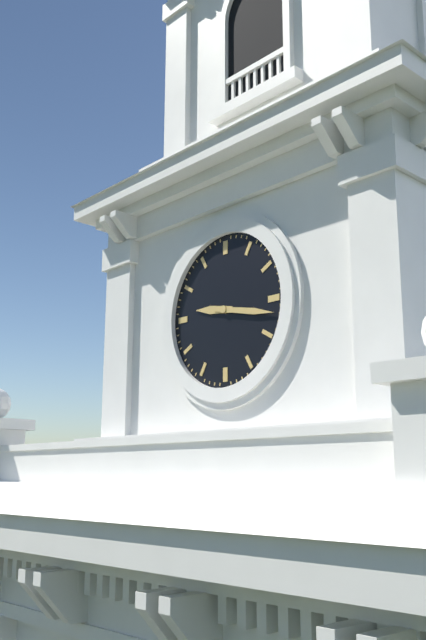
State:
9,17
